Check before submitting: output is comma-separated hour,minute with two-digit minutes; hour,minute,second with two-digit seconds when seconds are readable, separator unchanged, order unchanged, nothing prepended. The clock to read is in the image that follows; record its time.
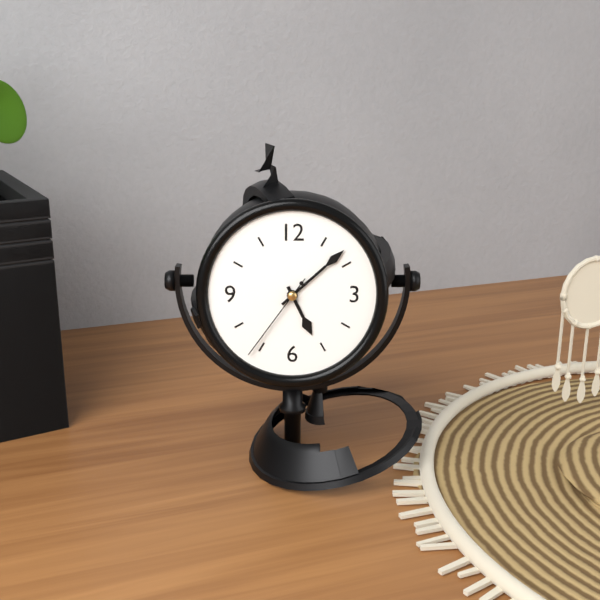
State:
5,08,36
